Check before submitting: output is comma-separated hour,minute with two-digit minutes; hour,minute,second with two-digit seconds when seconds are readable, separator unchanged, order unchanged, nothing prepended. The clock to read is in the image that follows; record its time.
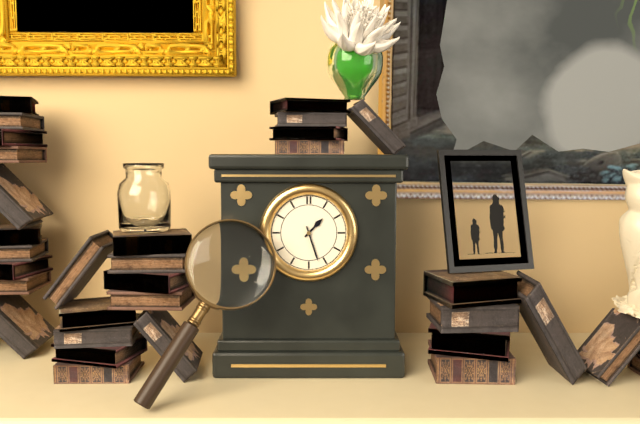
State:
1,27
